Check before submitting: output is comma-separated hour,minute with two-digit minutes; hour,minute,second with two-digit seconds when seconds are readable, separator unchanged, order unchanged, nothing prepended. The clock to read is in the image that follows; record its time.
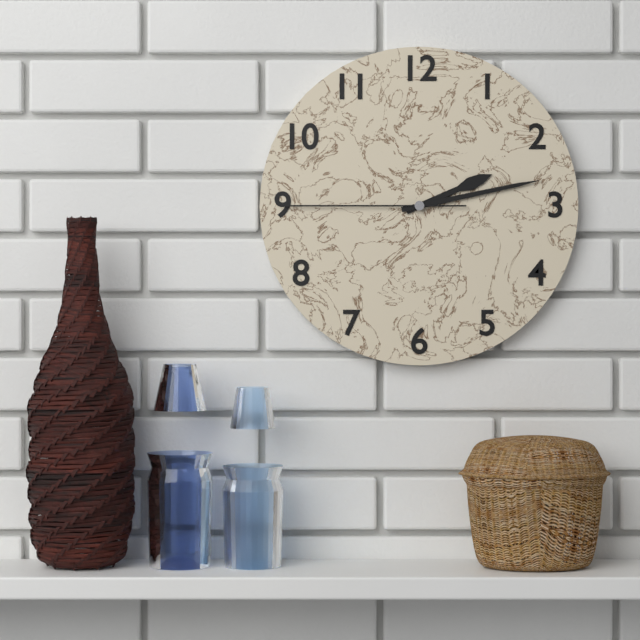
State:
2,13,45
